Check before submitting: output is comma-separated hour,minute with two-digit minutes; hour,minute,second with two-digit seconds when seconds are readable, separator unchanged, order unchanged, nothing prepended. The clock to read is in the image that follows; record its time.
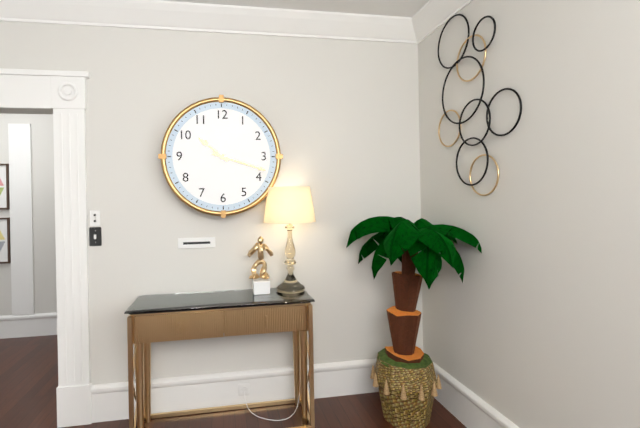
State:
10,18
